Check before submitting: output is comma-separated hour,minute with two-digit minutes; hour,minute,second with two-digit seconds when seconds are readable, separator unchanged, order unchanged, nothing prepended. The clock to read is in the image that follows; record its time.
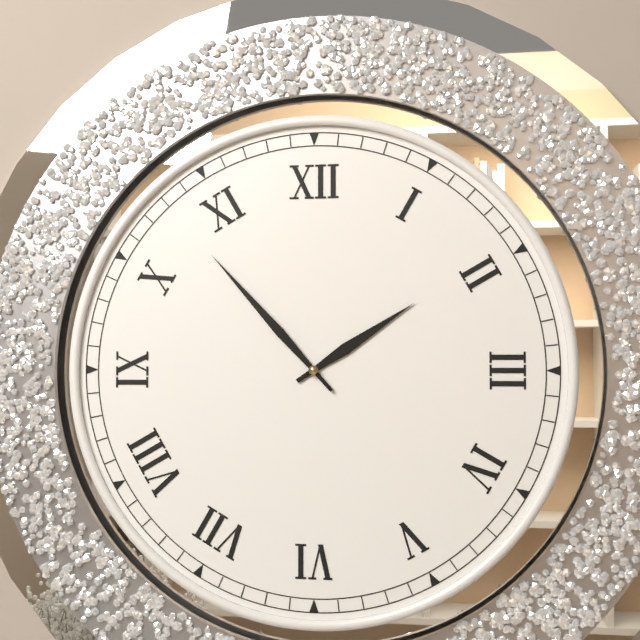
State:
1,53
